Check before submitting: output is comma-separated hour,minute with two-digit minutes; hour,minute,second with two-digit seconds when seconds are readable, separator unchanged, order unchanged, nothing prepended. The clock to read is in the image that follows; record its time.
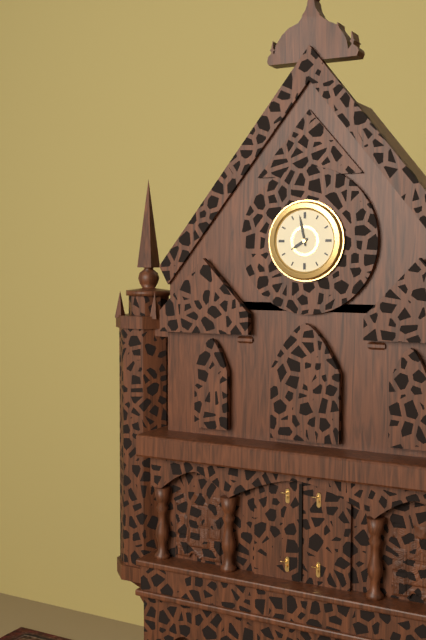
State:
7,58
